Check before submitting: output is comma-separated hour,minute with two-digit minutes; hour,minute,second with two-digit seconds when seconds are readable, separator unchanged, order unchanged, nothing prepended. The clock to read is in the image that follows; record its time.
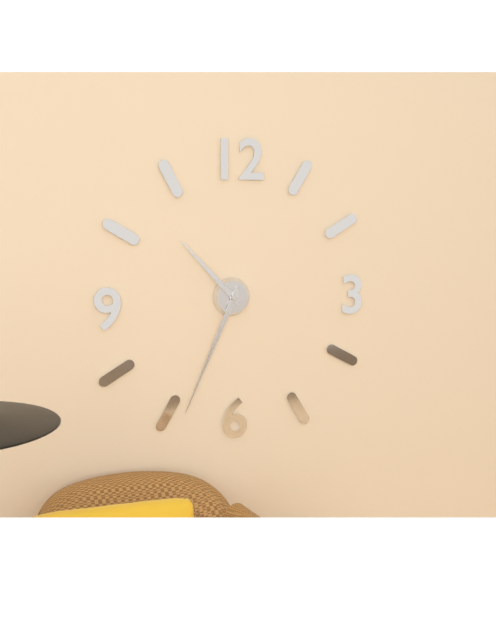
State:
10,34
